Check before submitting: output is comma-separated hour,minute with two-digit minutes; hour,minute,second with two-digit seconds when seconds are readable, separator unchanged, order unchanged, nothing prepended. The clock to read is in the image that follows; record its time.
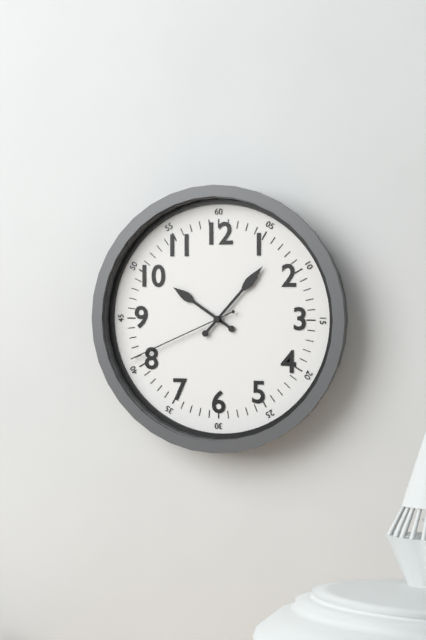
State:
10,07,41
